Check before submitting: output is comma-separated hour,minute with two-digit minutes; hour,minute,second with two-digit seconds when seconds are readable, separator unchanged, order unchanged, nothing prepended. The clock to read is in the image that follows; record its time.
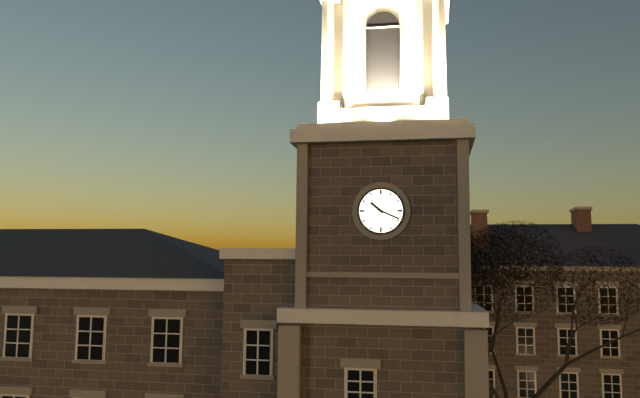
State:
10,19
